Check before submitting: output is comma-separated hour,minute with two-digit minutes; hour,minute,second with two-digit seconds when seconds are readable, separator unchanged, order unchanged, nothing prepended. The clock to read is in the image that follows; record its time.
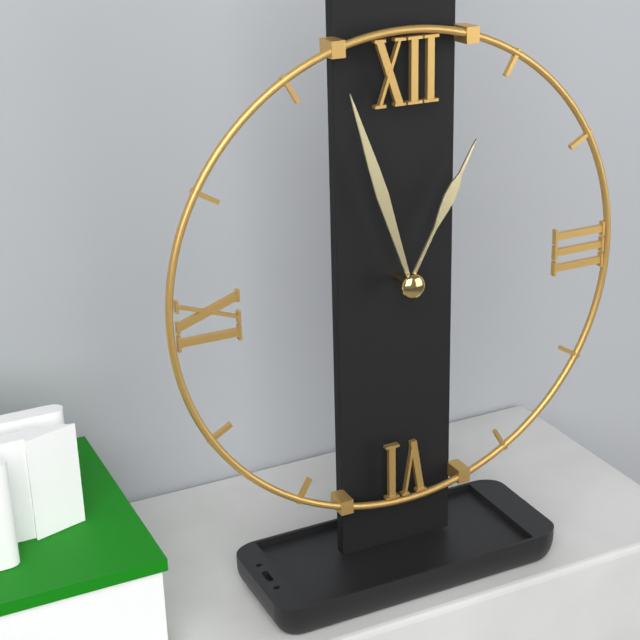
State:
12,57
